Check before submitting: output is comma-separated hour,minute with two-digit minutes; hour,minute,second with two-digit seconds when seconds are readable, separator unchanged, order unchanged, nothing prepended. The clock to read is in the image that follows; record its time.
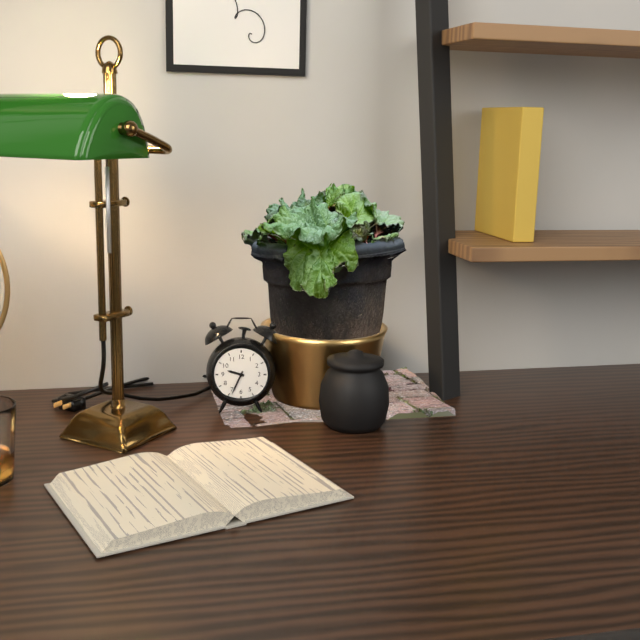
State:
9,34
